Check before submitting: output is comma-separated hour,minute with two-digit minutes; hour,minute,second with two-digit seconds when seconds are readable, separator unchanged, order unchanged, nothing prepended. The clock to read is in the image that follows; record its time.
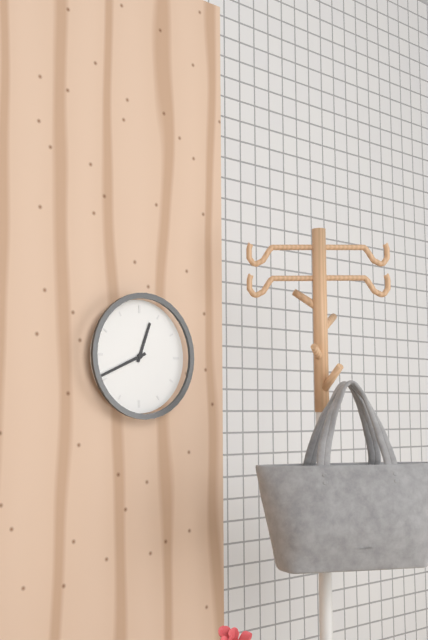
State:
12,41
